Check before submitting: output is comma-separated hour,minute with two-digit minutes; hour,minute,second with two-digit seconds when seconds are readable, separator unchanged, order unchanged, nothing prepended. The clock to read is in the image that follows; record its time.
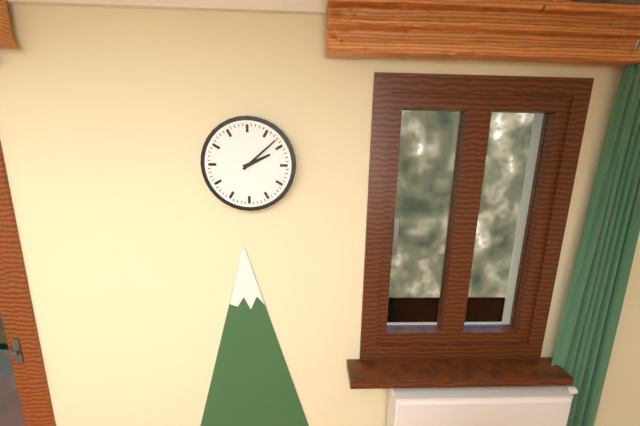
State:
2,08
